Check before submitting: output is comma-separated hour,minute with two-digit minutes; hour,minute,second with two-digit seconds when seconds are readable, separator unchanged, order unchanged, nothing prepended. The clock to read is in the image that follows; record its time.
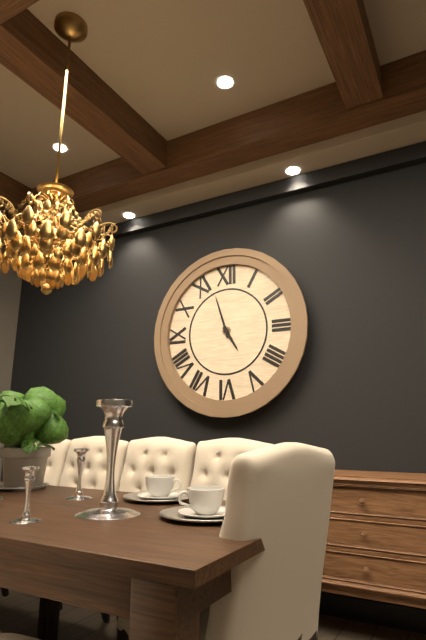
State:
4,57
